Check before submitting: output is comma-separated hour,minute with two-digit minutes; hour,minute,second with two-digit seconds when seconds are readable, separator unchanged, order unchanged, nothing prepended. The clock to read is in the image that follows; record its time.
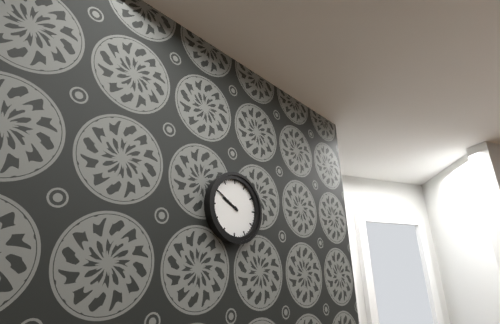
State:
9,50
